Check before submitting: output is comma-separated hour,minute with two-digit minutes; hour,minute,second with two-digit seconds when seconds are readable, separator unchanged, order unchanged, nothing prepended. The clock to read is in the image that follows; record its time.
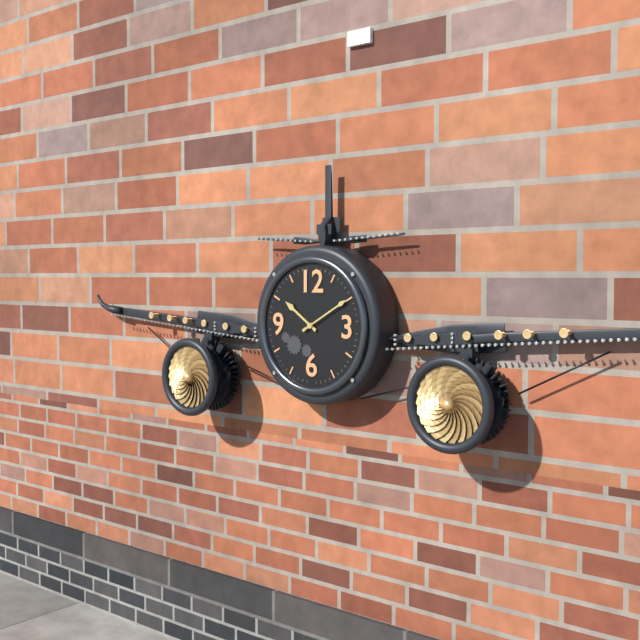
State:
10,10
